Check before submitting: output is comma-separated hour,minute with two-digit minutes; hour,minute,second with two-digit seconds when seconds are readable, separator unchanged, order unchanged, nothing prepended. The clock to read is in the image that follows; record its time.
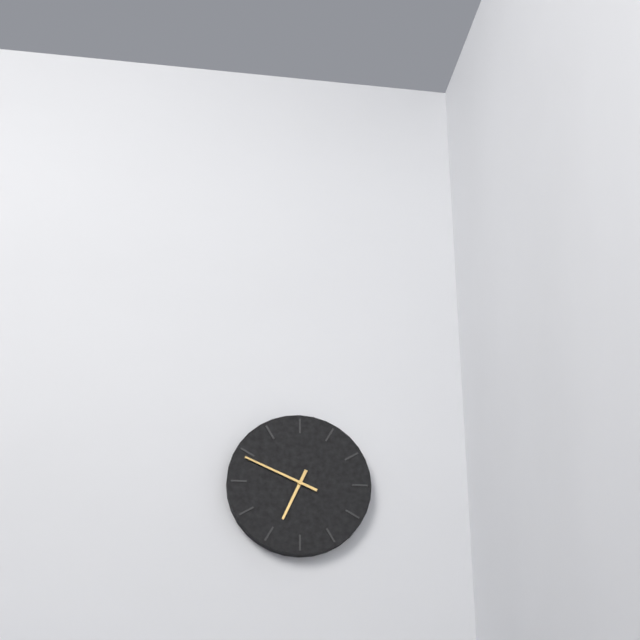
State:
6,49
